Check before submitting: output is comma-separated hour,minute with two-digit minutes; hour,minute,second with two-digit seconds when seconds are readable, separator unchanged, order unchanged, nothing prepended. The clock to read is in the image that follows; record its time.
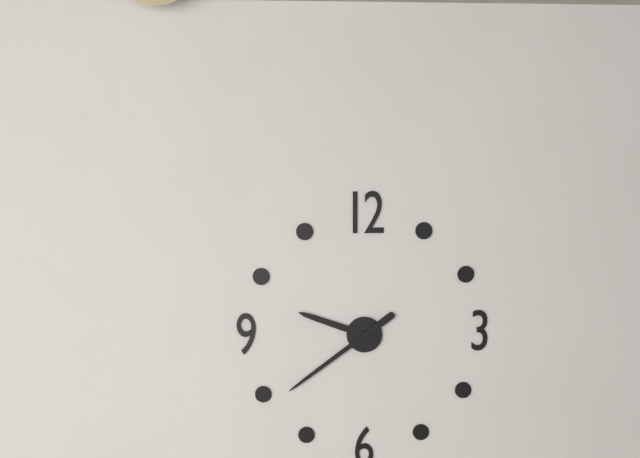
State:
9,39
